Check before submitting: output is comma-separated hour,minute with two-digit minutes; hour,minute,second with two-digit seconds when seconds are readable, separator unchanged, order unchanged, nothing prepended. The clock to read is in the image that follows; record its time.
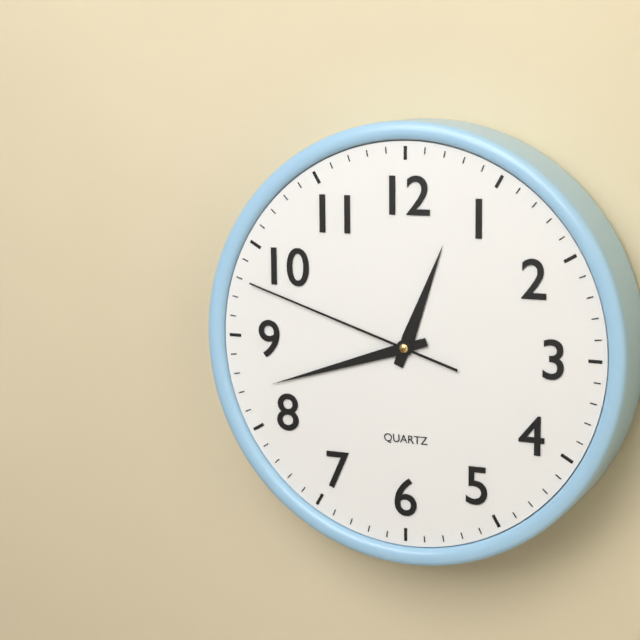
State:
12,42,48
